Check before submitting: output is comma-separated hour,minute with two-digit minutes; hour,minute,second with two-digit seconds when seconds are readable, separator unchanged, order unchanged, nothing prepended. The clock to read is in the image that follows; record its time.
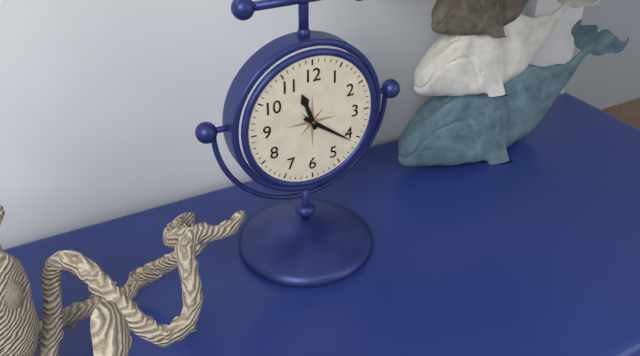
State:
11,21
